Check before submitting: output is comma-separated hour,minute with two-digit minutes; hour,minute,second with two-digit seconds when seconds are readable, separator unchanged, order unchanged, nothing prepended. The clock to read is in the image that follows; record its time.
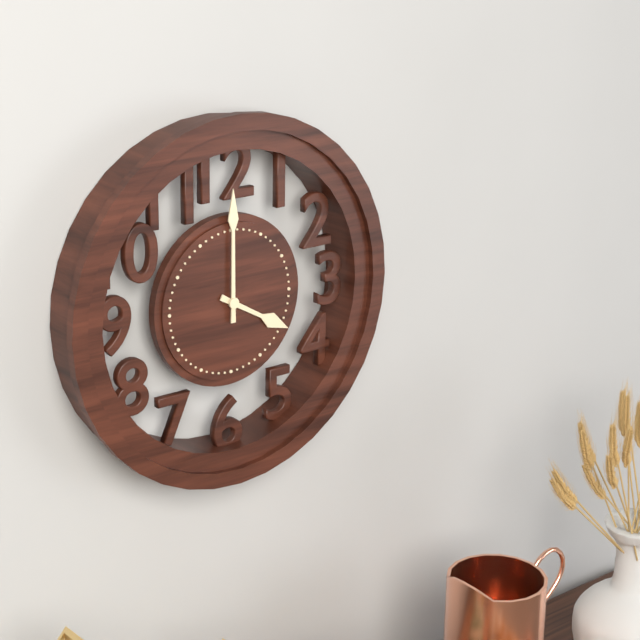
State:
4,00
